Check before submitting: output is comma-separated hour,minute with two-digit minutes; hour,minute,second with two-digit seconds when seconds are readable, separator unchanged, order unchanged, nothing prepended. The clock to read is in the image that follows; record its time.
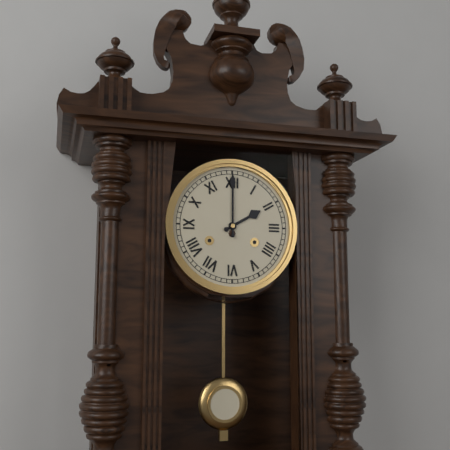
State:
2,00
